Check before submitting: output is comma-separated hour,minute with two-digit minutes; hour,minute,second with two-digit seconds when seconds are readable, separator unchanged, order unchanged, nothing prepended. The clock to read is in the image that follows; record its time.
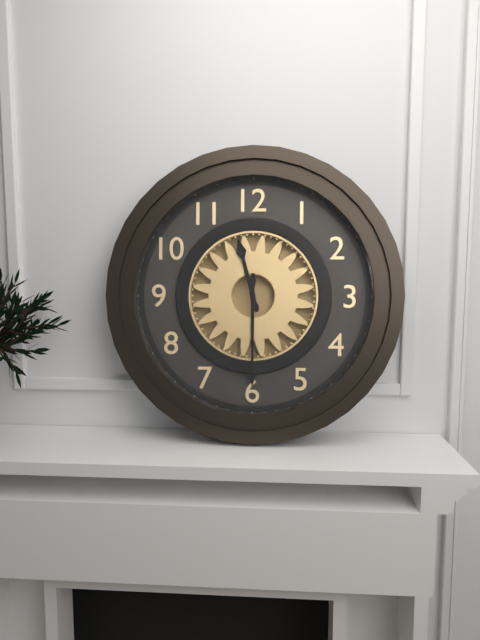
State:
11,30
